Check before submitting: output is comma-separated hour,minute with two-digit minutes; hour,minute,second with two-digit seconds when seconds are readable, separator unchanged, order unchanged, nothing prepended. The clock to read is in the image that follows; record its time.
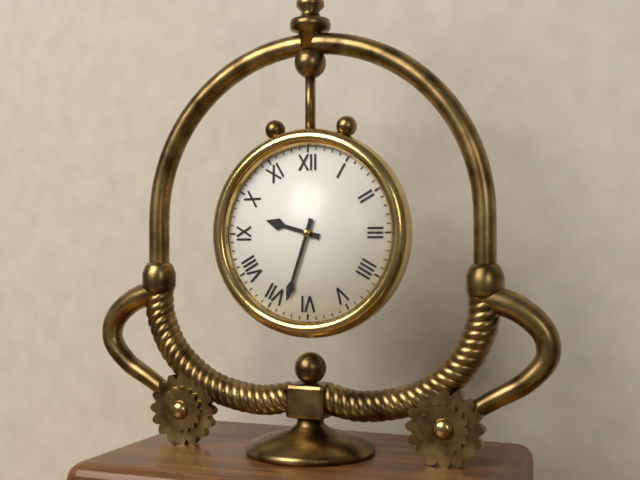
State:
9,33
